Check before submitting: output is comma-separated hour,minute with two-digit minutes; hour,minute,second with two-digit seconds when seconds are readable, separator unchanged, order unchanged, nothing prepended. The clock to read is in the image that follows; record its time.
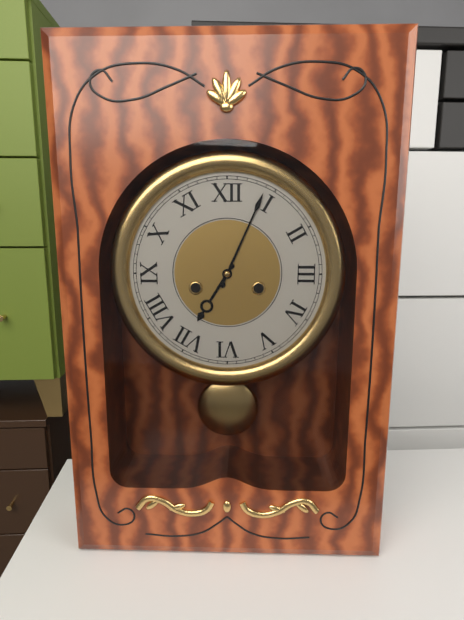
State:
7,04
